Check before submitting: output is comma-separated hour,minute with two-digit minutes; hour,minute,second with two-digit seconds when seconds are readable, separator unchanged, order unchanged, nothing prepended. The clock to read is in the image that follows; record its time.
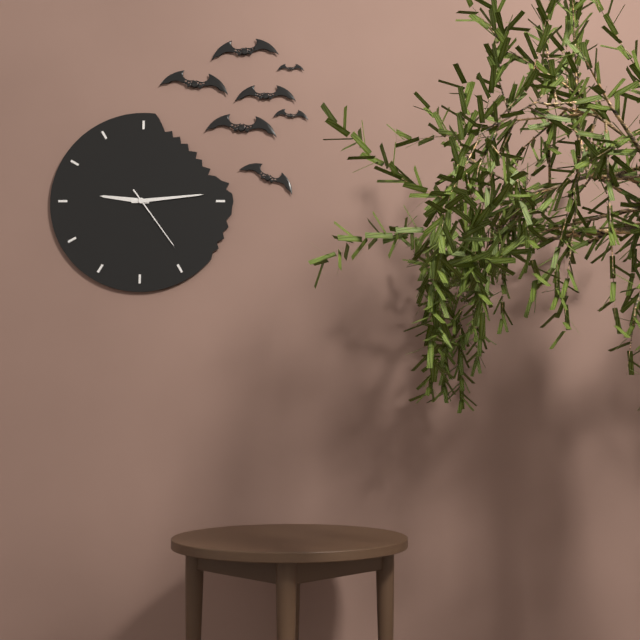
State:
9,14,24
